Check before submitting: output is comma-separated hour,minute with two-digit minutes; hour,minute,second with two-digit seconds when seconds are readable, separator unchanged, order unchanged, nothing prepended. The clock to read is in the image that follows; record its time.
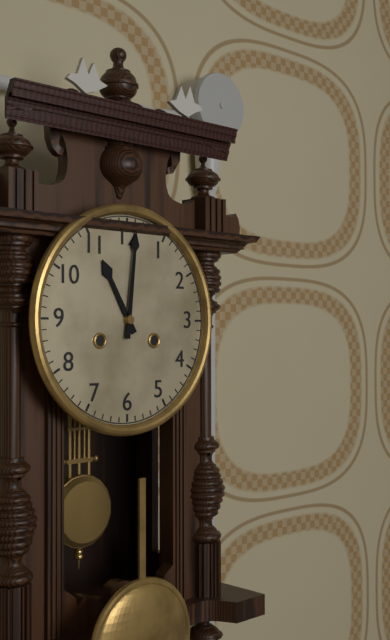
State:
11,01
